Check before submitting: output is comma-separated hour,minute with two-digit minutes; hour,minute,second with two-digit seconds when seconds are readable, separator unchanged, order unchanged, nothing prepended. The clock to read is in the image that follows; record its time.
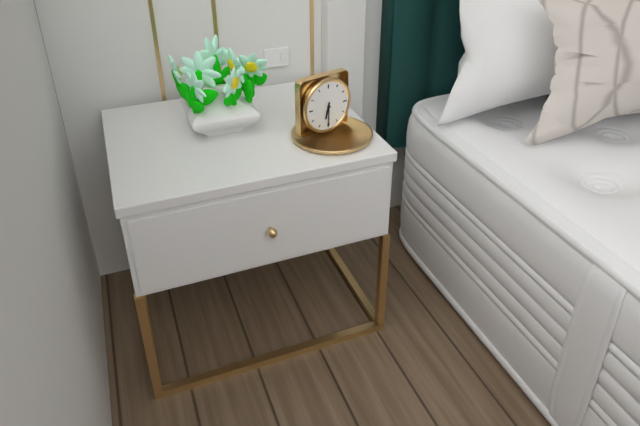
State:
6,30
